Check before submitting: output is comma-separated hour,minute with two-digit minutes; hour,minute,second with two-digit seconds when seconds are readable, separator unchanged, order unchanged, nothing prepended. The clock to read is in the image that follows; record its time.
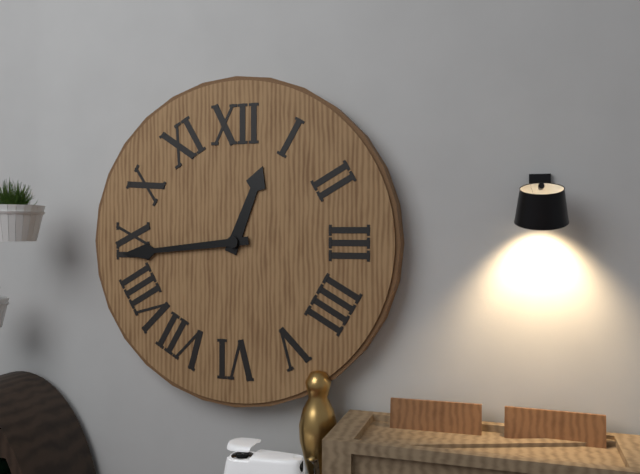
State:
12,44
